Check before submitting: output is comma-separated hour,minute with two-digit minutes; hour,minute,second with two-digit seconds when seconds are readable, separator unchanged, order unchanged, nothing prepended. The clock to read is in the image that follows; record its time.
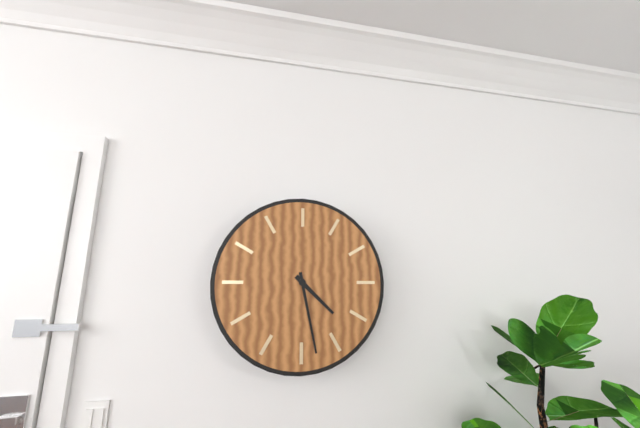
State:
4,28
